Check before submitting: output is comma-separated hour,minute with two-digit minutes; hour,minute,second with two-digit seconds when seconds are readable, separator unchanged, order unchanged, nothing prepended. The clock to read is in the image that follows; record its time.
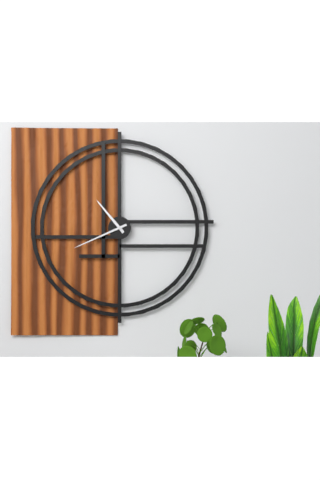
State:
10,41
